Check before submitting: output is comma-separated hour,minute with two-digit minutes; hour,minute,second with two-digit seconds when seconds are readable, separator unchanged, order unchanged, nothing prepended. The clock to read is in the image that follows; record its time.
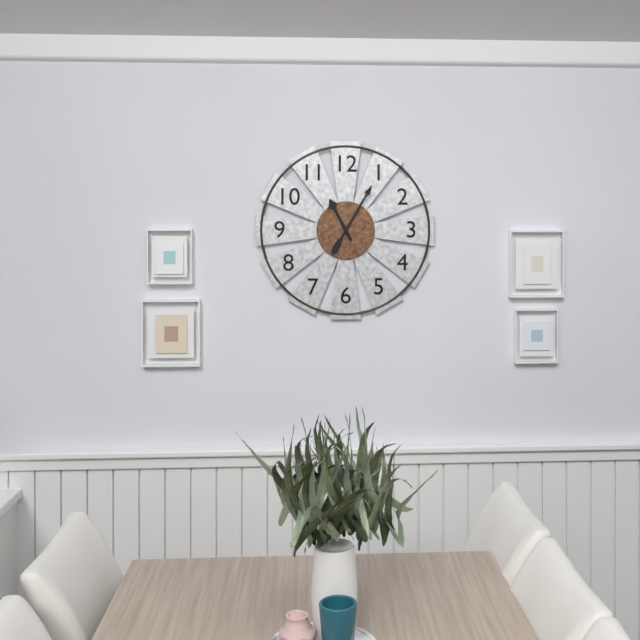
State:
11,05
